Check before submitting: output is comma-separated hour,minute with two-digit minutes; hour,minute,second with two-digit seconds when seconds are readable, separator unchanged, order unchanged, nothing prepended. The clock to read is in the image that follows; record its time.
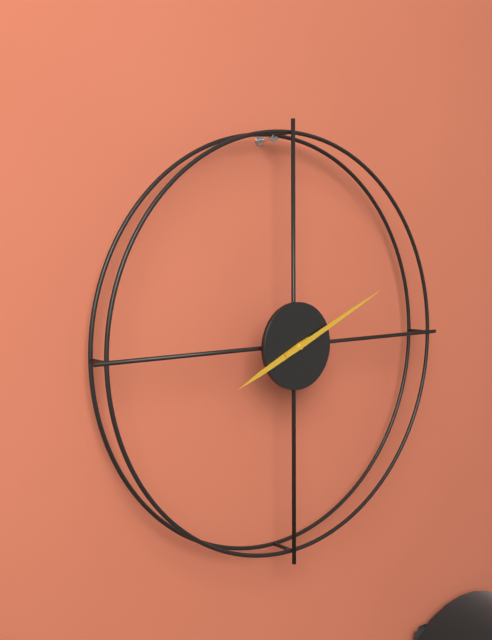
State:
8,11
